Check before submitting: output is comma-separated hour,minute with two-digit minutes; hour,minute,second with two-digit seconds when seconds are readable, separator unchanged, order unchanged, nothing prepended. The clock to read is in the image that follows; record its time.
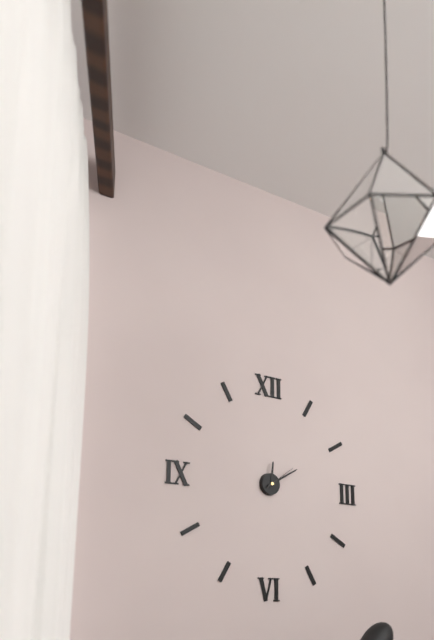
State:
12,10
